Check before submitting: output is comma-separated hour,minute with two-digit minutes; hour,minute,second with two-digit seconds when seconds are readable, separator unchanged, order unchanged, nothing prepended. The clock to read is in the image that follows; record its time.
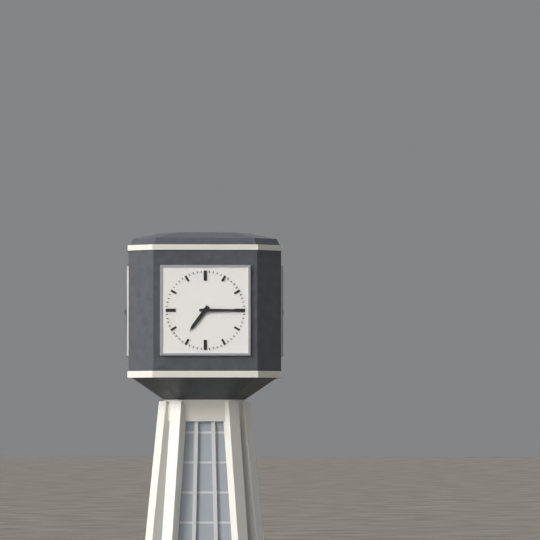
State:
7,15
